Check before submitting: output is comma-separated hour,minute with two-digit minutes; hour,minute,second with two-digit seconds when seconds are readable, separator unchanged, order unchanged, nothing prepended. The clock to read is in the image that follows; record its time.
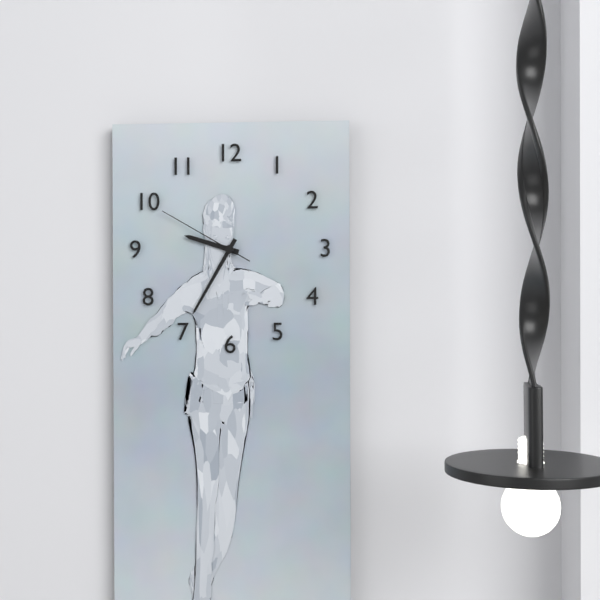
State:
9,35,50
